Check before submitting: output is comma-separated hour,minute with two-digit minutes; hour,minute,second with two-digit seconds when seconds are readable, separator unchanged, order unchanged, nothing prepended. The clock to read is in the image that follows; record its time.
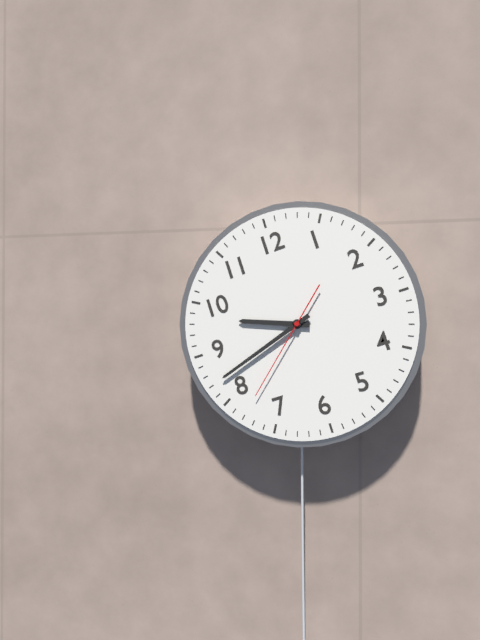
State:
9,42,38
